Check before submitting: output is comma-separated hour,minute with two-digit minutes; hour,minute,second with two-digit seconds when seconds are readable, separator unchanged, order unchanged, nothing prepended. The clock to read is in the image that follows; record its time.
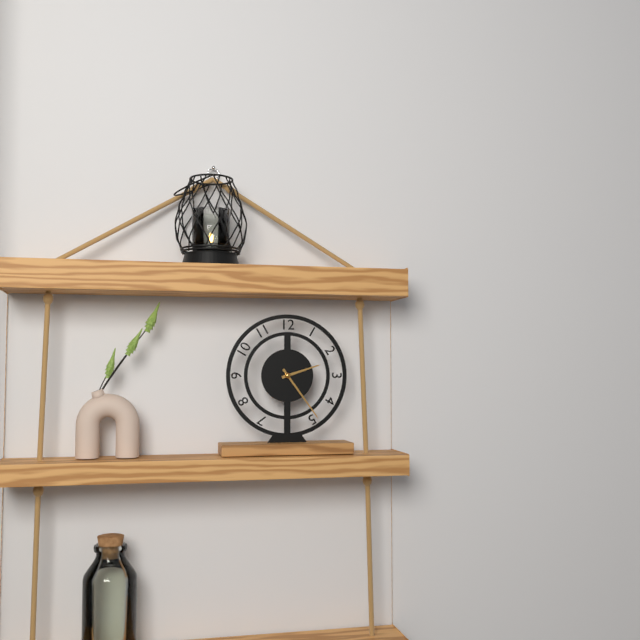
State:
2,24
